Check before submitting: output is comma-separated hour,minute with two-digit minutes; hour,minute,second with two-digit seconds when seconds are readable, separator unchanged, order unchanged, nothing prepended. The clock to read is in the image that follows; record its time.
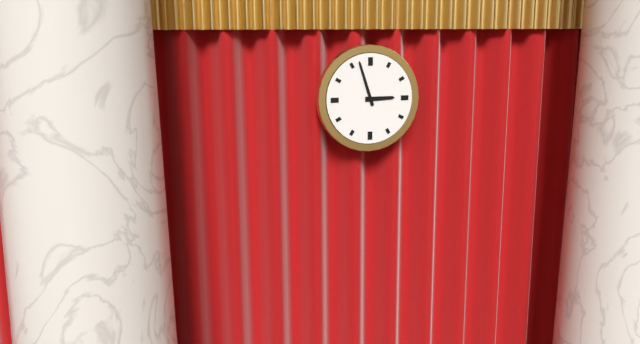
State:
2,57
